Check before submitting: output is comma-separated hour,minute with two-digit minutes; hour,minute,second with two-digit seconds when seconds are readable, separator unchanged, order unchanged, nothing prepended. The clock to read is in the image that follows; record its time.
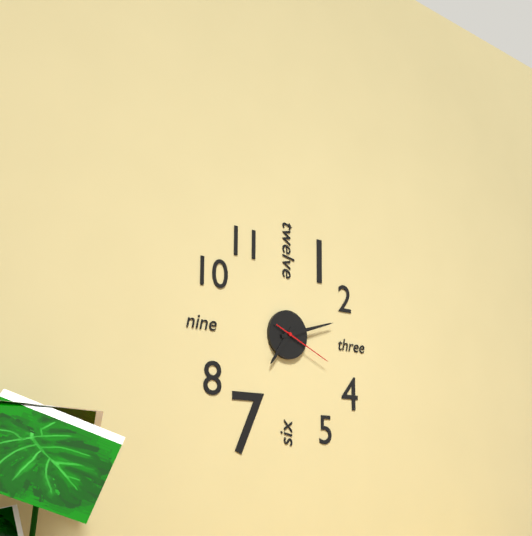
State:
7,12,19
